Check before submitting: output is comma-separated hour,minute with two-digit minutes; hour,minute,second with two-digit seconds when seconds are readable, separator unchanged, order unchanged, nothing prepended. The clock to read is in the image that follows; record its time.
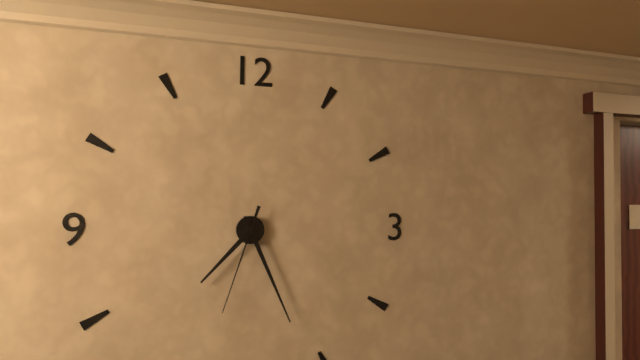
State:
7,26,33
